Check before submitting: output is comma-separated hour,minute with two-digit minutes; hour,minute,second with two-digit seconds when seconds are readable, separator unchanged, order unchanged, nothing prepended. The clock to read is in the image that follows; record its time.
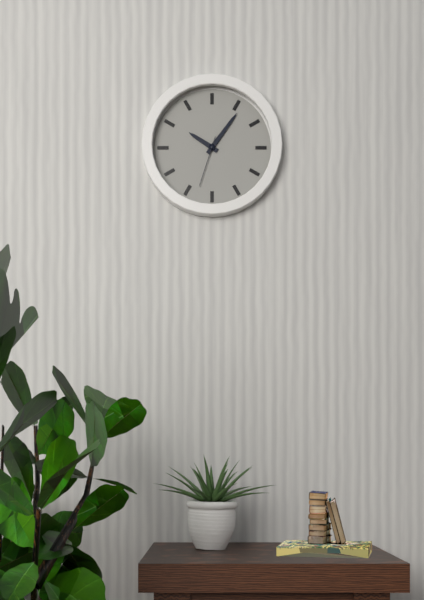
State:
10,06,33
